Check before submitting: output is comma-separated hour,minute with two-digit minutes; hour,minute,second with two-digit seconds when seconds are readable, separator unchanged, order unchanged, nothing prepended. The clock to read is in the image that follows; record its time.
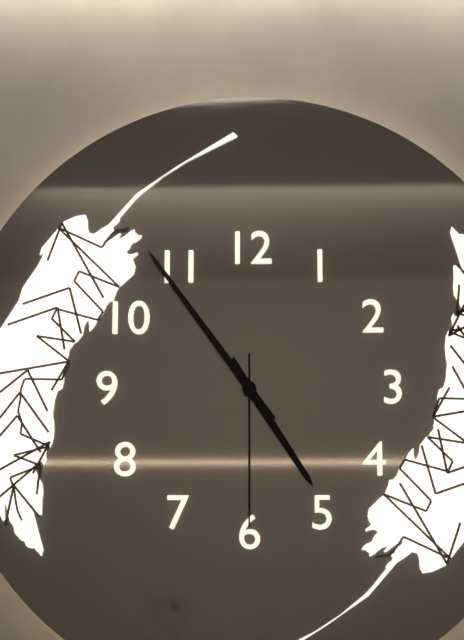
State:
4,54,30
